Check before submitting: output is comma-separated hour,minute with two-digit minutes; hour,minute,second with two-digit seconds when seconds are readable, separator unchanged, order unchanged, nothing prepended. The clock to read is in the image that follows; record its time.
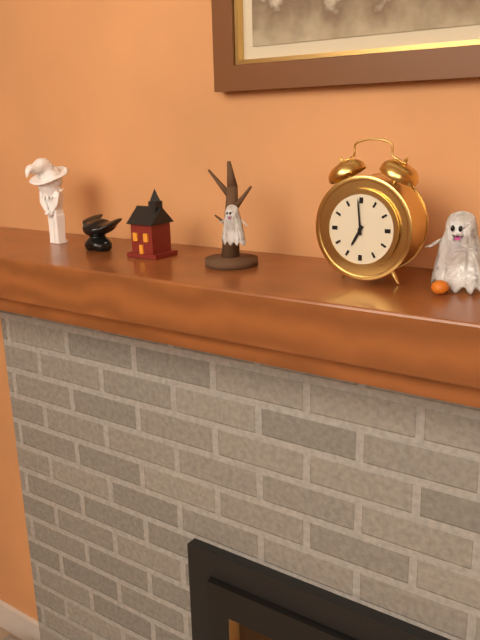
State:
6,59
